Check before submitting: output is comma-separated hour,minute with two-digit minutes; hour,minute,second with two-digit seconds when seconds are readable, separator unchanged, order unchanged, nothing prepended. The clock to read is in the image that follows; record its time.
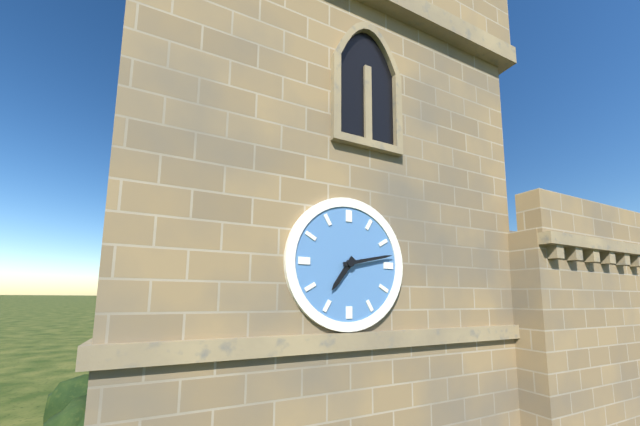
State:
7,13
